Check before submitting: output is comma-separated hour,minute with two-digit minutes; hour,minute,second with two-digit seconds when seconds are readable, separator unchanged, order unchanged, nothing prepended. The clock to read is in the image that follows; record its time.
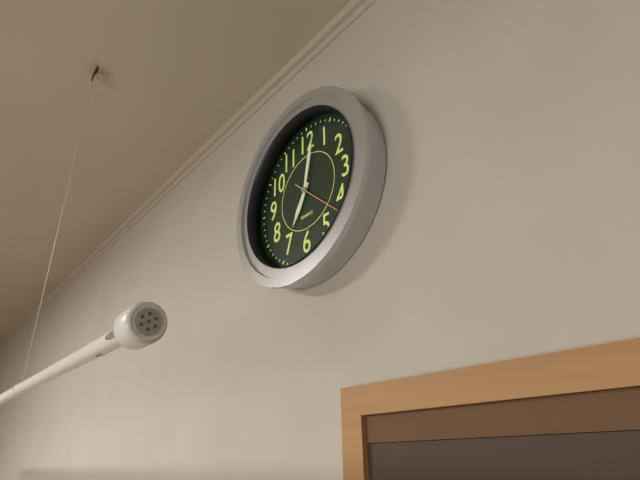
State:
7,02,22
